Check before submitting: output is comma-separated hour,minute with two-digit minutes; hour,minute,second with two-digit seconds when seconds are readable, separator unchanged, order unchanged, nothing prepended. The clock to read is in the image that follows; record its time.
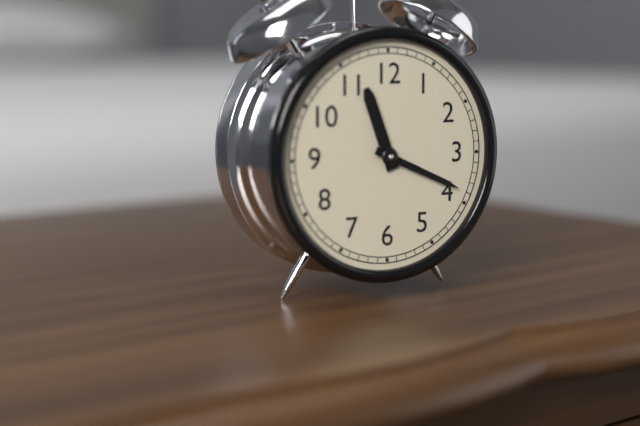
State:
11,19
